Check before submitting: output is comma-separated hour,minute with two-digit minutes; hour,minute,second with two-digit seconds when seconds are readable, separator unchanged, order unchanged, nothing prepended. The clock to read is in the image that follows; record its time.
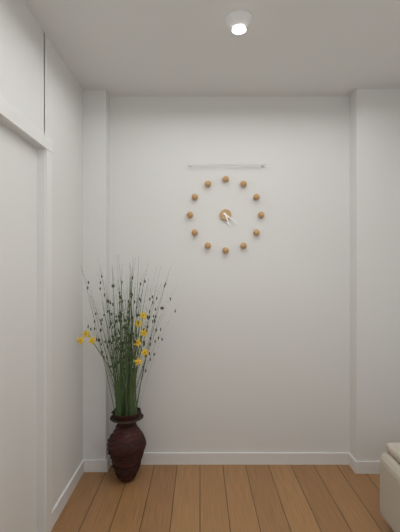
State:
5,21
